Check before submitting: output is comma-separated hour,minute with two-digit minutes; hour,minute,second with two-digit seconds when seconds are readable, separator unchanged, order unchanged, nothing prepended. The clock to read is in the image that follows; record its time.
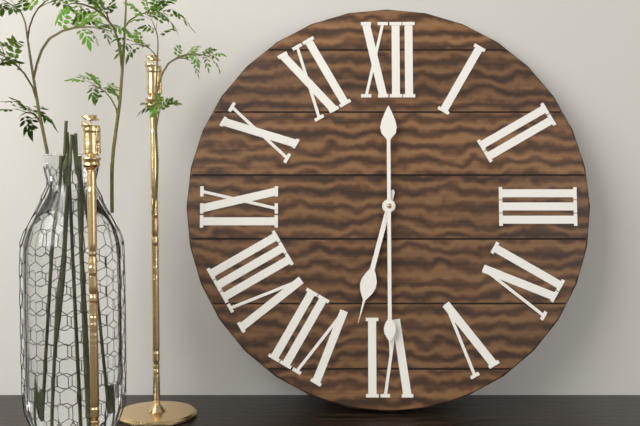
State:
6,30
